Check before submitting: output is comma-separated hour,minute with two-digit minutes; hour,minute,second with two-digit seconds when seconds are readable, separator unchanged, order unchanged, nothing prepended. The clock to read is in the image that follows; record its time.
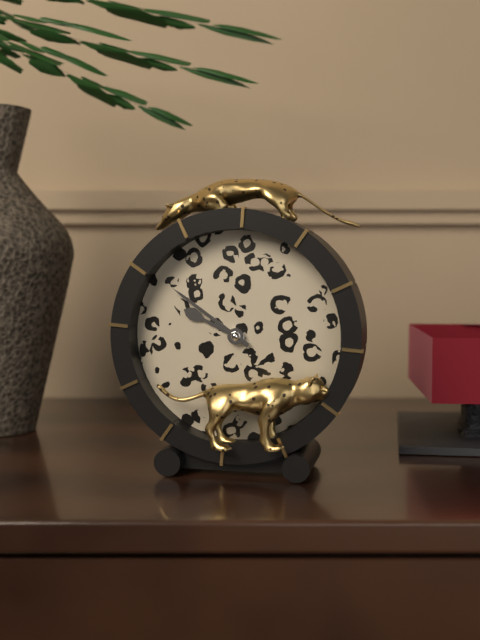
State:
9,51
